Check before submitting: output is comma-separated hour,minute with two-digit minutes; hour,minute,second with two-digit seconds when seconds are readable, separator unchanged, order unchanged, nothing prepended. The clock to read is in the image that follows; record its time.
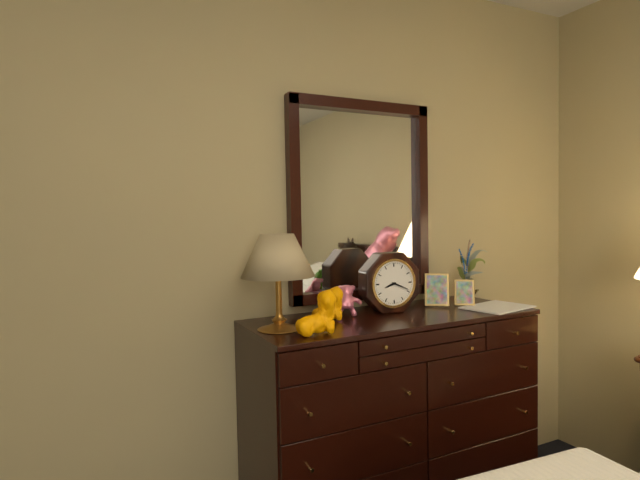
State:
8,19
